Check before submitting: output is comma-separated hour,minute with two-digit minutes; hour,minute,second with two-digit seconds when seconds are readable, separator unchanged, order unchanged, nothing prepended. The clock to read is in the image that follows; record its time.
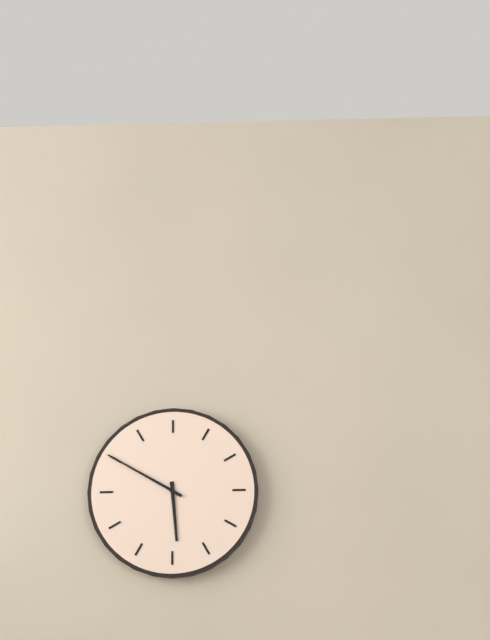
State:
5,50
